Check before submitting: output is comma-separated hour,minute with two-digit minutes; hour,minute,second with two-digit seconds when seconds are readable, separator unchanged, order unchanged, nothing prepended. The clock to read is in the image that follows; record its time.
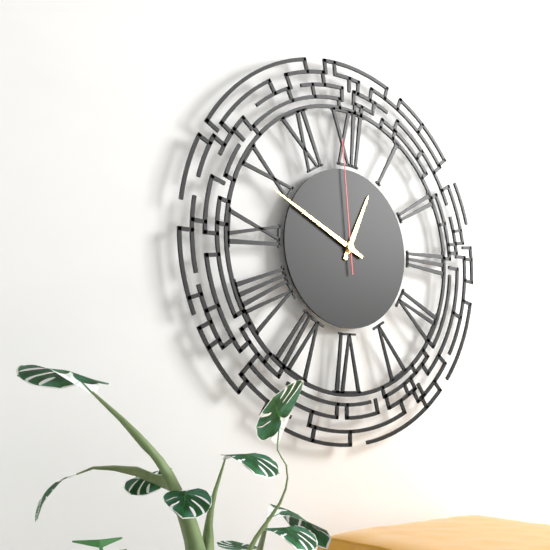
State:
12,49,59
